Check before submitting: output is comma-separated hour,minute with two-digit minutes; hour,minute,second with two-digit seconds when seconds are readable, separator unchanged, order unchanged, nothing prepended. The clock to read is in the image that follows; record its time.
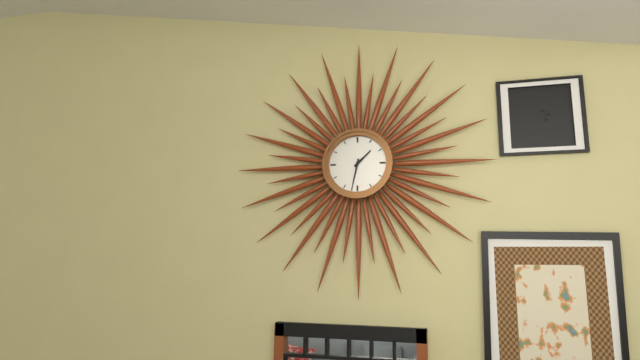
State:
1,32
